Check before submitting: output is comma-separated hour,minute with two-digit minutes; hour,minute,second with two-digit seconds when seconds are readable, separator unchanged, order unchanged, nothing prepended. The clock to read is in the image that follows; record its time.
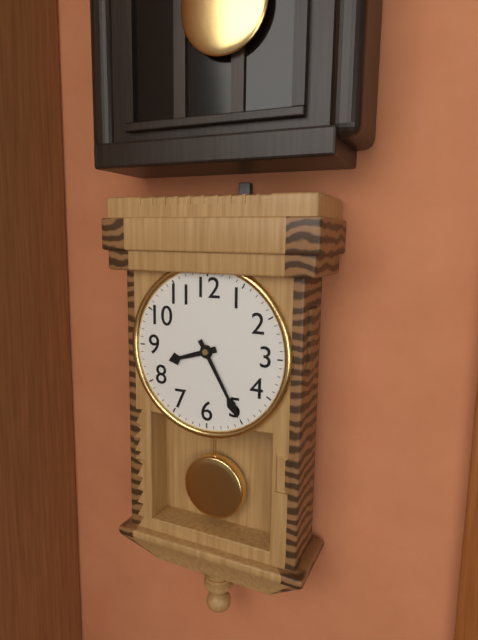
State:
8,25
